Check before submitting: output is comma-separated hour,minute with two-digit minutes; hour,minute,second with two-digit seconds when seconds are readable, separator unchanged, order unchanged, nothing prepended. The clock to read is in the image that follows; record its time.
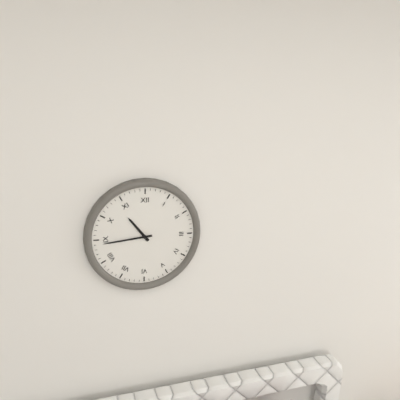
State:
10,44
